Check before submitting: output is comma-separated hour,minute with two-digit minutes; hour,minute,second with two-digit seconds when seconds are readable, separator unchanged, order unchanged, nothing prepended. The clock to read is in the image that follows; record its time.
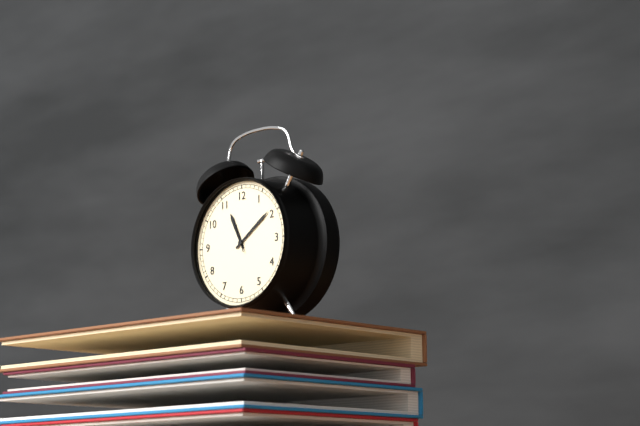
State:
11,09
